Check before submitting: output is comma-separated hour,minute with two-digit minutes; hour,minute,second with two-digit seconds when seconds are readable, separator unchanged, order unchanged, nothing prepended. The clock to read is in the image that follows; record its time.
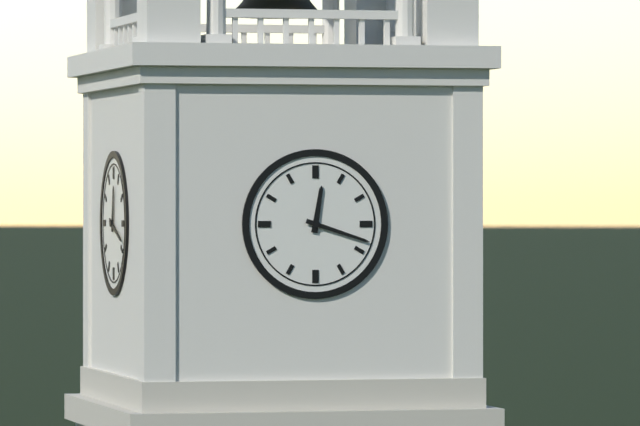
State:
12,18
